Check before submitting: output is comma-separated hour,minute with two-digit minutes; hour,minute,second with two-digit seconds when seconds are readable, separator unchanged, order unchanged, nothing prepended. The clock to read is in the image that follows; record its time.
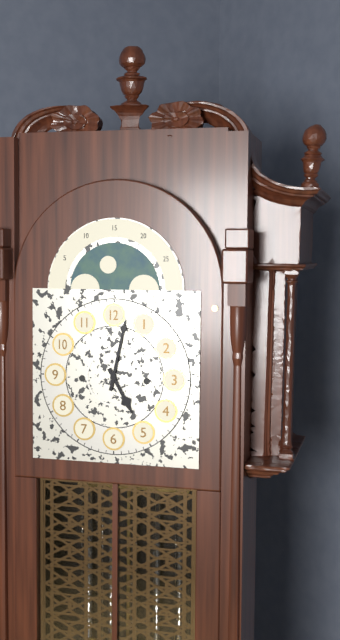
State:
5,02
